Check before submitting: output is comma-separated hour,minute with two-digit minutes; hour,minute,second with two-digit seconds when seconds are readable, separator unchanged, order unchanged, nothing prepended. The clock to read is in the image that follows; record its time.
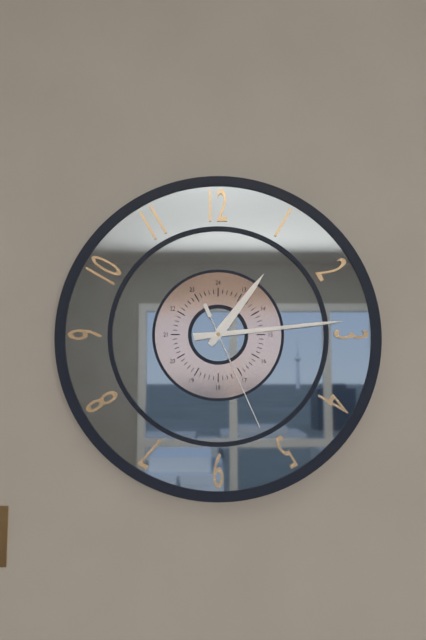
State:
1,14,26
